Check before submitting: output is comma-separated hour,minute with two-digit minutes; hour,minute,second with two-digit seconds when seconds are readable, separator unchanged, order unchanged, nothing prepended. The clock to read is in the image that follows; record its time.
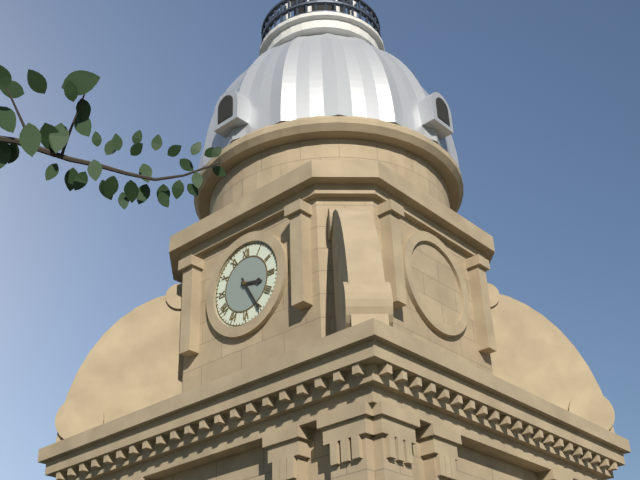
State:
3,25
